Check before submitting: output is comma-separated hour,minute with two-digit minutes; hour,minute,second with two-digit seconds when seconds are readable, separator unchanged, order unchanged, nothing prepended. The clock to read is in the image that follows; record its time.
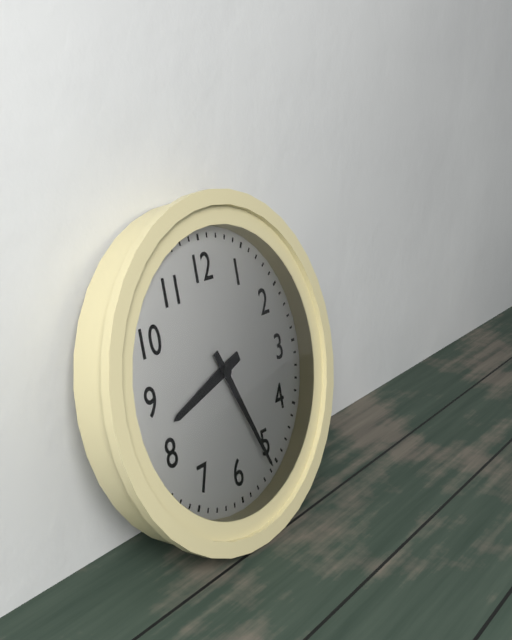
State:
8,26
